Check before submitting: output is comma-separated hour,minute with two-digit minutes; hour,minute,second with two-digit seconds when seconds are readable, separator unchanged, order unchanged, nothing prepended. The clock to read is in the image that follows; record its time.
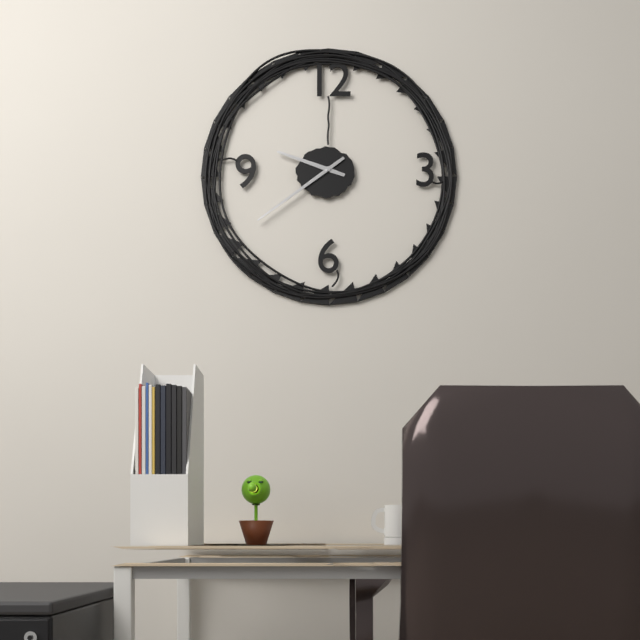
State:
9,39
